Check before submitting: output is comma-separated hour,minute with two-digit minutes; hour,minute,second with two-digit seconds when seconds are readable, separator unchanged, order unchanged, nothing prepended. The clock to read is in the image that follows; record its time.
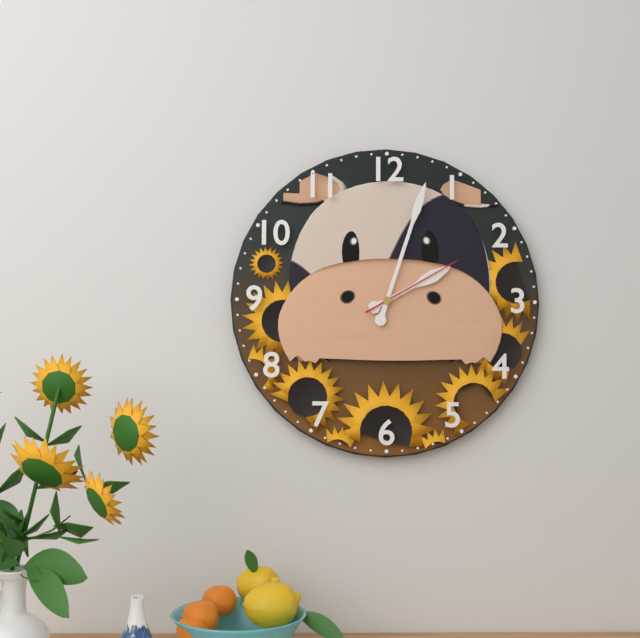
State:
2,03,10
